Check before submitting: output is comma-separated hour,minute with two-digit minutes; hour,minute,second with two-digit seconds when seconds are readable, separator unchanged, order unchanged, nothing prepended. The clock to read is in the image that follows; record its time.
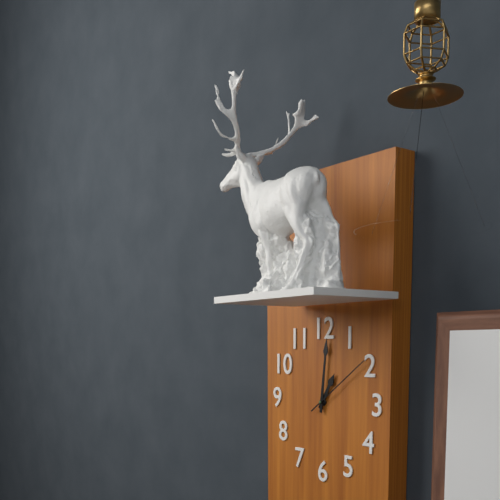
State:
1,01,09
